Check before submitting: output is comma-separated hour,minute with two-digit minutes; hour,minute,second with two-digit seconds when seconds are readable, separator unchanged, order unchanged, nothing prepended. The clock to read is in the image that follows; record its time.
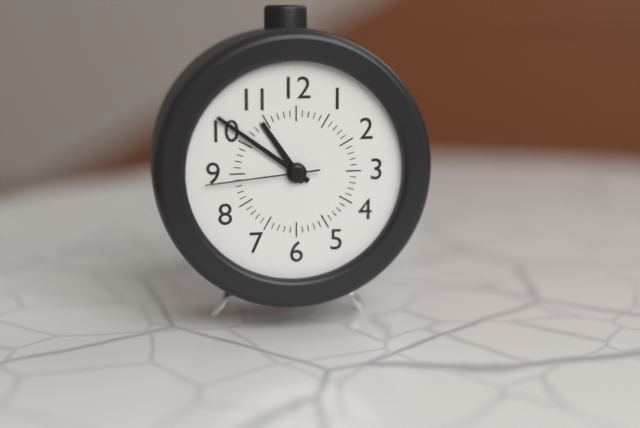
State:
10,51,44
